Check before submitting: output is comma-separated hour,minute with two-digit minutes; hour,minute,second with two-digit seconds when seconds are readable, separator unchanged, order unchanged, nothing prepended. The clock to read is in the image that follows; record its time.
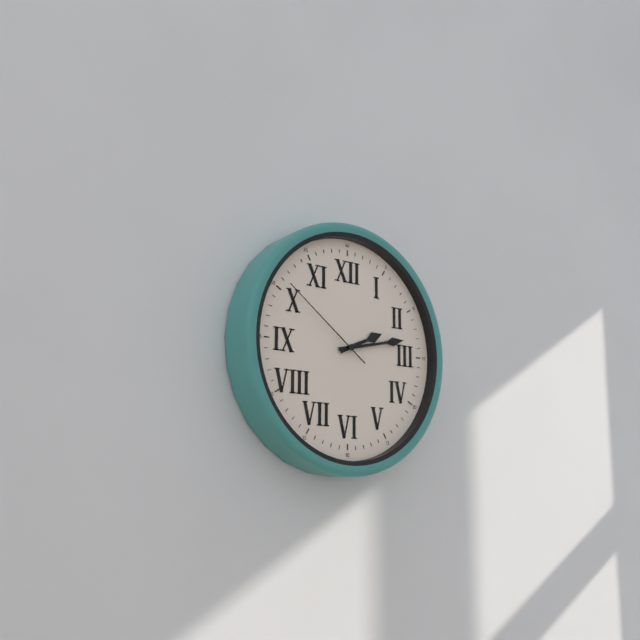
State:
2,13,51
